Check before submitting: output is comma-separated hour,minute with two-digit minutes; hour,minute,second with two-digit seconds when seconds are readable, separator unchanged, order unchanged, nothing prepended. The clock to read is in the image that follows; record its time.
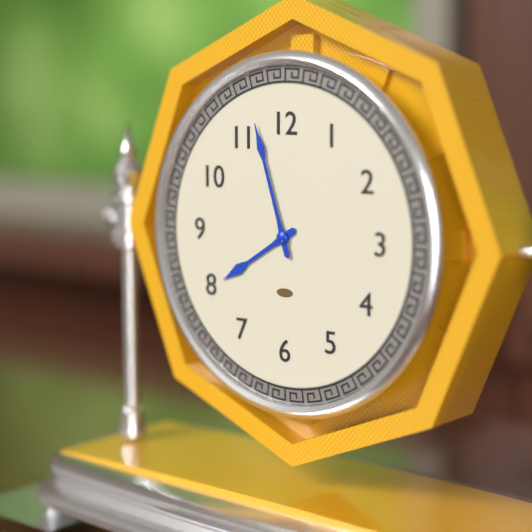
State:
7,57
